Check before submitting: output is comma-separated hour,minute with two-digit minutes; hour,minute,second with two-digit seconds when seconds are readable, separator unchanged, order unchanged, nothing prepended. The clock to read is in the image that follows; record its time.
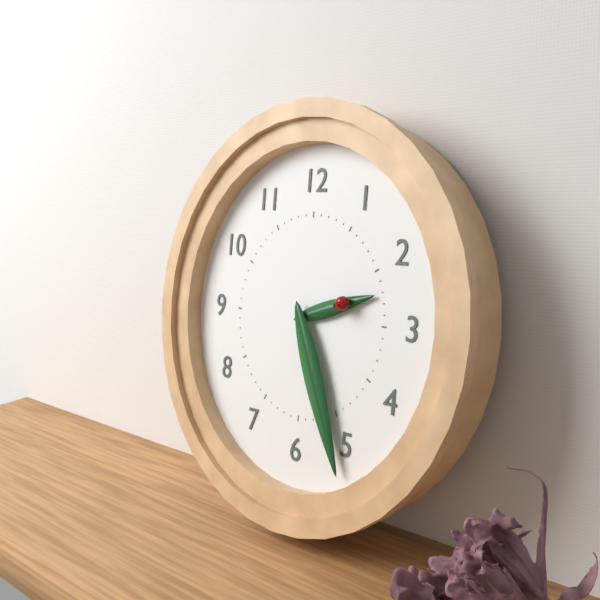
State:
2,26
